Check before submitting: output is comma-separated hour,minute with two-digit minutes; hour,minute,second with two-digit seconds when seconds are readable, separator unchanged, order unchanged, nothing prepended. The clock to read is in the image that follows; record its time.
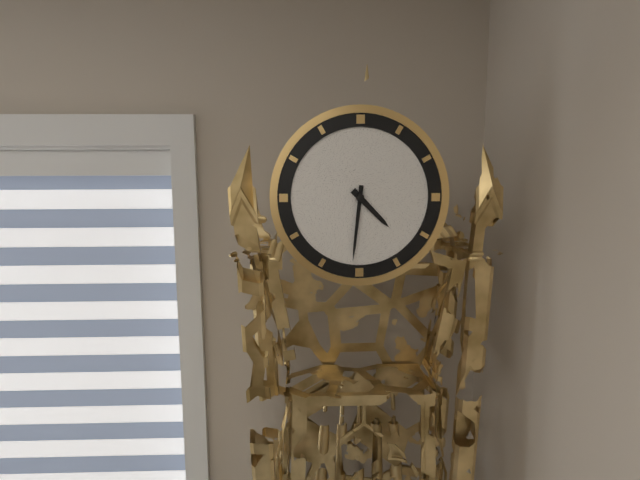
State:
4,31
